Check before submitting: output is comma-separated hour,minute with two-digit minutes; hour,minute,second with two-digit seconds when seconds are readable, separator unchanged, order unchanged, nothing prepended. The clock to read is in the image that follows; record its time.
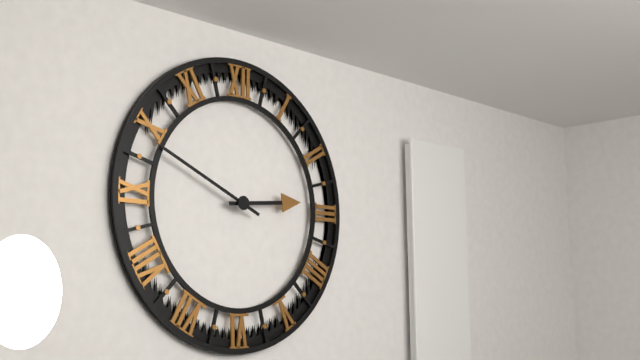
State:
2,49
